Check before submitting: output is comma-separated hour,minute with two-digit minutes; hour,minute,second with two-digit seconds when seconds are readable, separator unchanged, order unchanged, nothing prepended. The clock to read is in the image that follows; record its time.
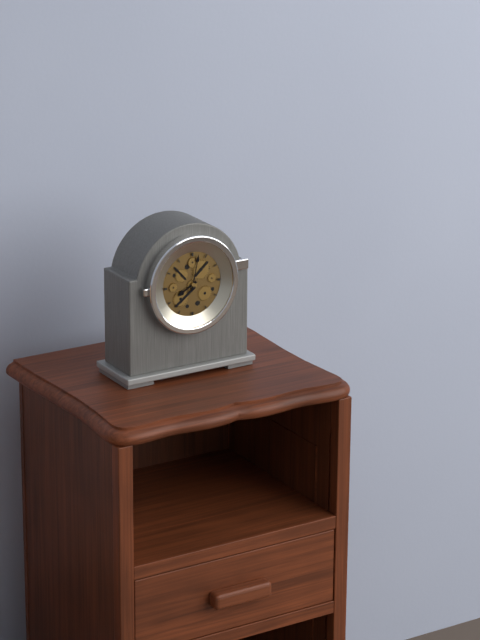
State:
8,02
